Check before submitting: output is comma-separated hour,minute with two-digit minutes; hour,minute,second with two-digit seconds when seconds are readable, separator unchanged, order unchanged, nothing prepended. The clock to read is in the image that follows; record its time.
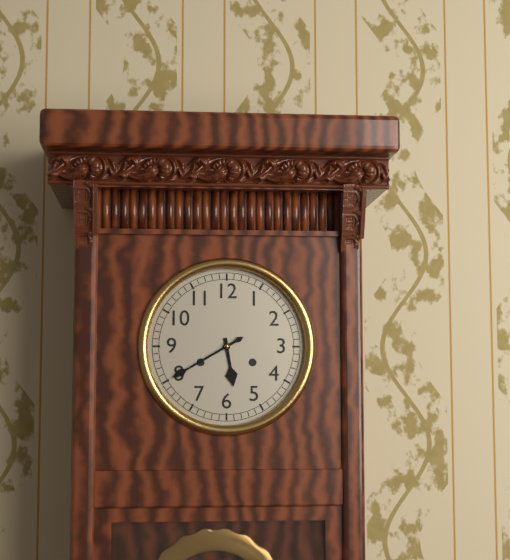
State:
5,40
